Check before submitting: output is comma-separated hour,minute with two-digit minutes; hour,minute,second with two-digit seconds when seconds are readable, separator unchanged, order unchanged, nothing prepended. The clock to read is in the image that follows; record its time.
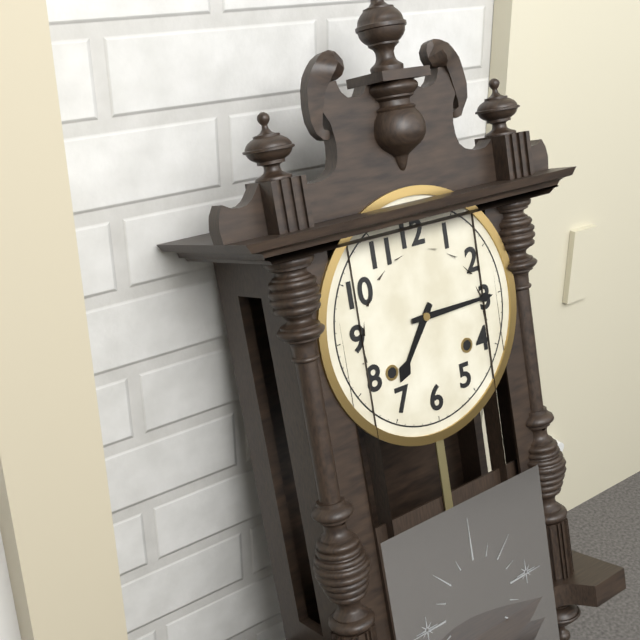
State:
7,15
